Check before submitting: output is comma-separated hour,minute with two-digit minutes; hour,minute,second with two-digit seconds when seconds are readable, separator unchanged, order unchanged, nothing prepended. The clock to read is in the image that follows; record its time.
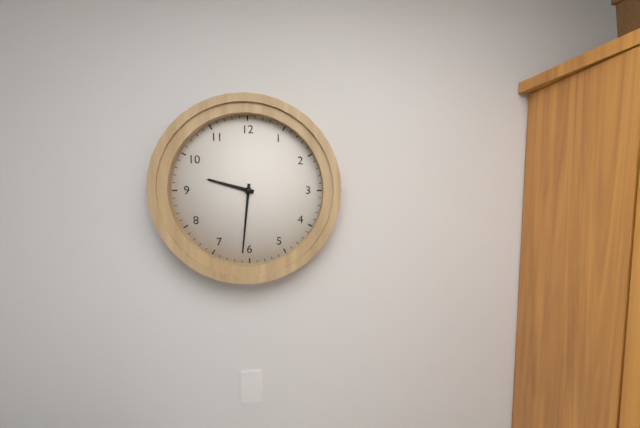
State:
9,31
